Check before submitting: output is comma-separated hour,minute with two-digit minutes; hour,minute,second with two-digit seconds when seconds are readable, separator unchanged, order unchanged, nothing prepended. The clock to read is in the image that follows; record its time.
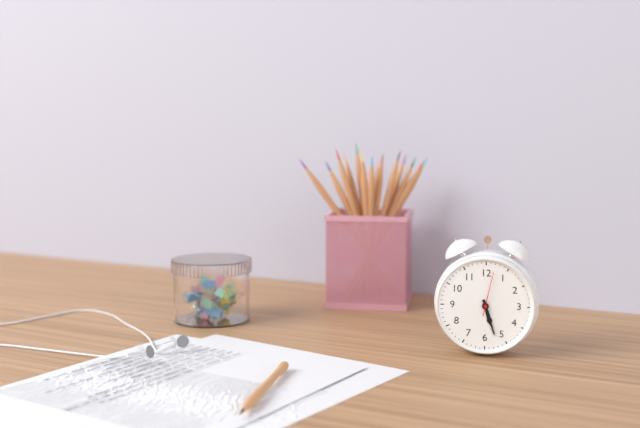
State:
5,27
